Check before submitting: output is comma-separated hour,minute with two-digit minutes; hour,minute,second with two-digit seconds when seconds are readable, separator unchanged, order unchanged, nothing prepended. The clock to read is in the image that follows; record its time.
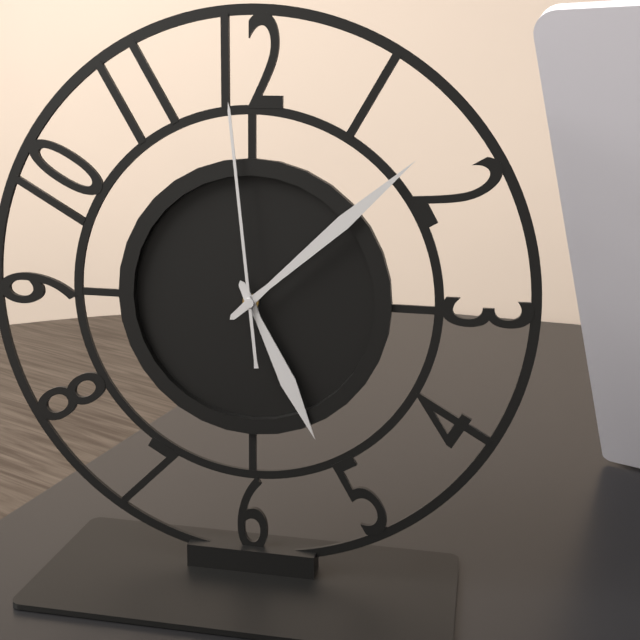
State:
5,08,59
